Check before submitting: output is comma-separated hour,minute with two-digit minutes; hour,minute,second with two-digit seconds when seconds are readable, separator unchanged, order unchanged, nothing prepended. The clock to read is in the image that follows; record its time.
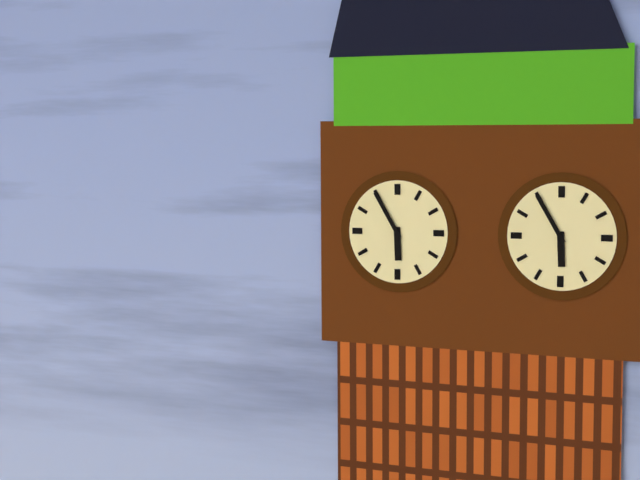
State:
5,55
